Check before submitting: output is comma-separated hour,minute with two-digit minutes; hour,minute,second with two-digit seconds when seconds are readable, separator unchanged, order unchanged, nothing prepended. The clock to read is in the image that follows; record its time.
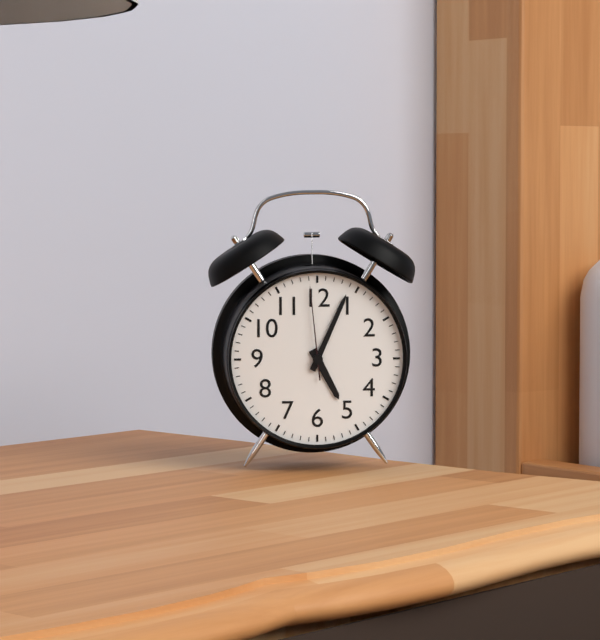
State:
5,04,59
